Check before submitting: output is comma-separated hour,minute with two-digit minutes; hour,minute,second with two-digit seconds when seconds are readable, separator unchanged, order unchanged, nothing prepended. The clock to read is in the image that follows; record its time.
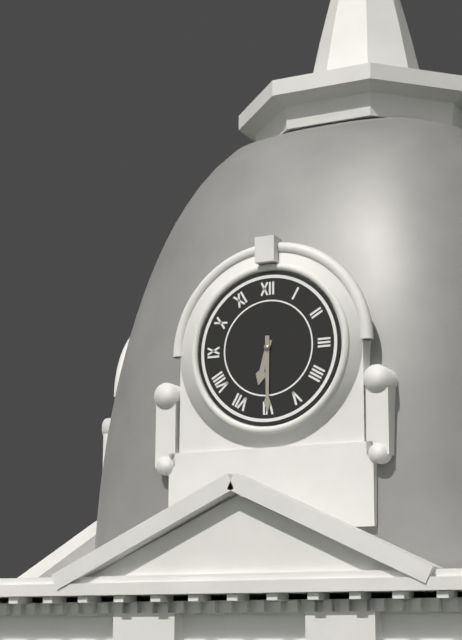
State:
6,30
